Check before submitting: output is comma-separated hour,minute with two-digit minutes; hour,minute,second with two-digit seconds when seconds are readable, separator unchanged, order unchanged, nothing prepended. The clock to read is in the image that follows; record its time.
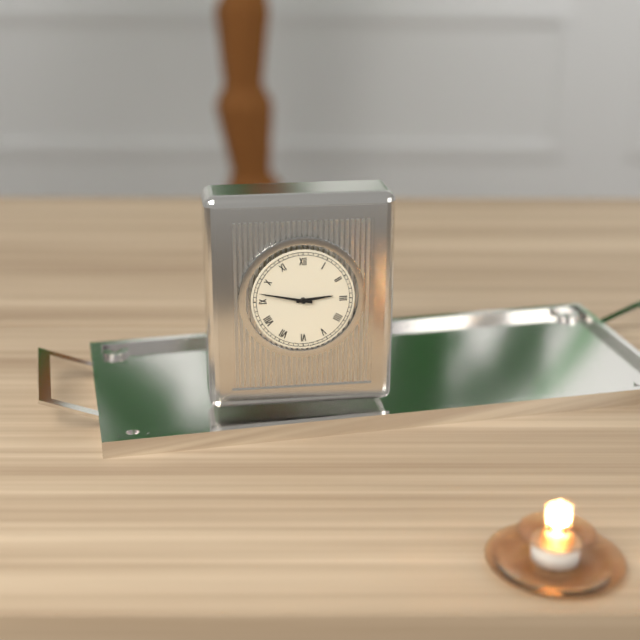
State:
2,47
